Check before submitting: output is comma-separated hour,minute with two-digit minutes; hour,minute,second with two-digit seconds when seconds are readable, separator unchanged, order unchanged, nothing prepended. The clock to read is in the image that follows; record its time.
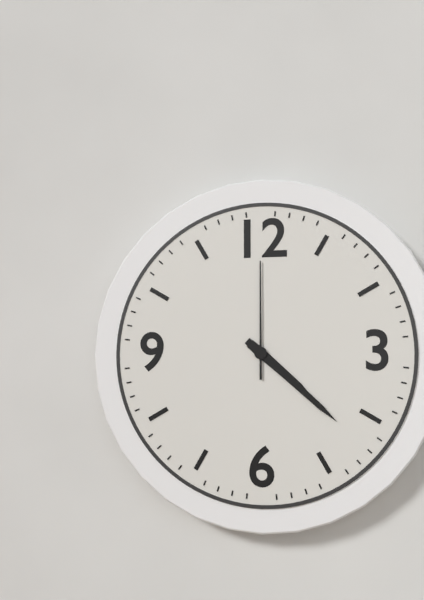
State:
4,22,00
